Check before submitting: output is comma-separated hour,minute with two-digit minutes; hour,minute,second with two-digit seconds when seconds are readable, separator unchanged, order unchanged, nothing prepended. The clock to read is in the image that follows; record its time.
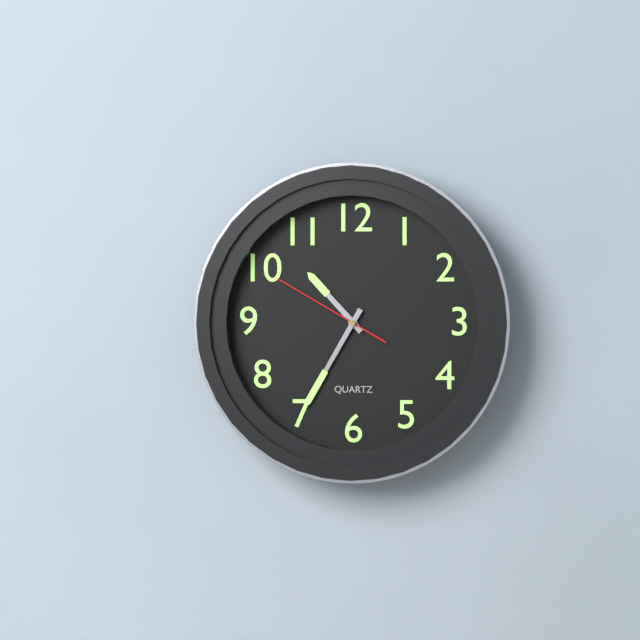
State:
10,35,50
